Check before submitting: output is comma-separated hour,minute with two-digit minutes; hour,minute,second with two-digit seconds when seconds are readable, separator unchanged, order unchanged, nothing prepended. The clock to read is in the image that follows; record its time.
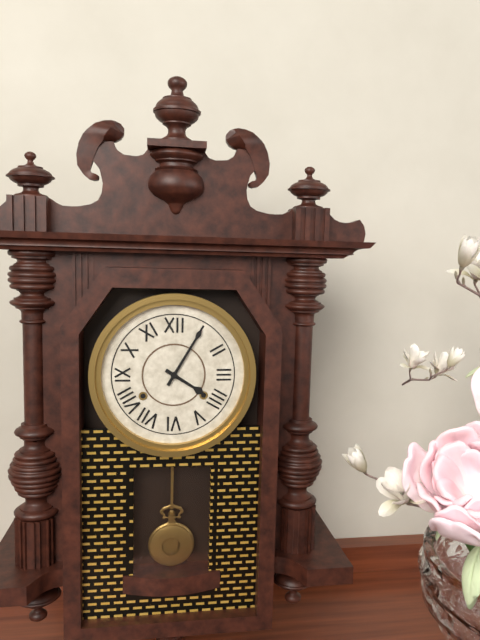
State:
4,05
